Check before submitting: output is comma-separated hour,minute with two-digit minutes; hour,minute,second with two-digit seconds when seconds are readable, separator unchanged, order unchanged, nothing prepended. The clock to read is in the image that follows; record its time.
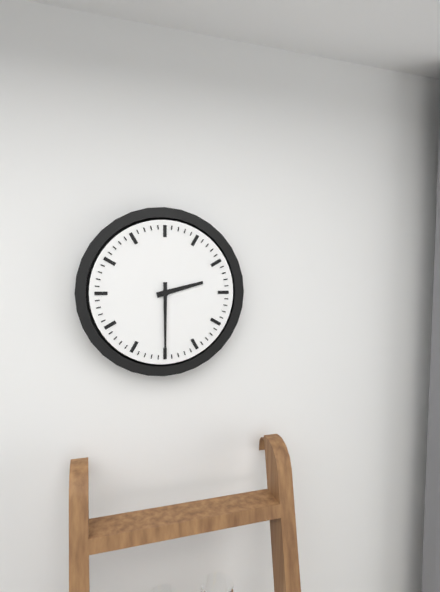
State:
2,30
